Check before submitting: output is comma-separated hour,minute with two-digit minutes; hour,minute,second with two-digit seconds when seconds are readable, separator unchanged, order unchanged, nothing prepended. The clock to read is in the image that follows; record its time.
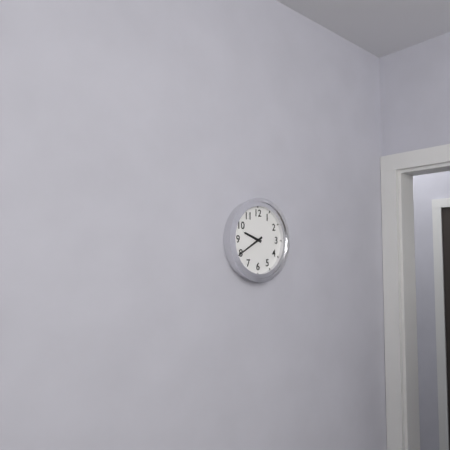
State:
9,40
